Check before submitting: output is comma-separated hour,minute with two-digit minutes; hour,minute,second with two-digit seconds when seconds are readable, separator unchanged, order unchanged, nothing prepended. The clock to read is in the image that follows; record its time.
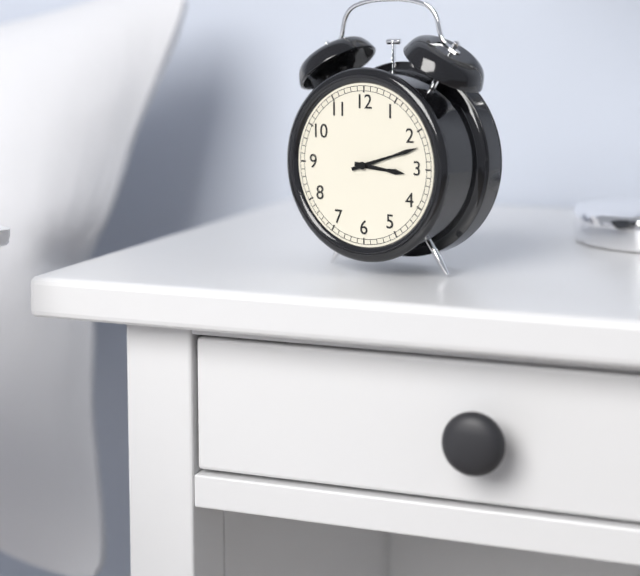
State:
3,12
